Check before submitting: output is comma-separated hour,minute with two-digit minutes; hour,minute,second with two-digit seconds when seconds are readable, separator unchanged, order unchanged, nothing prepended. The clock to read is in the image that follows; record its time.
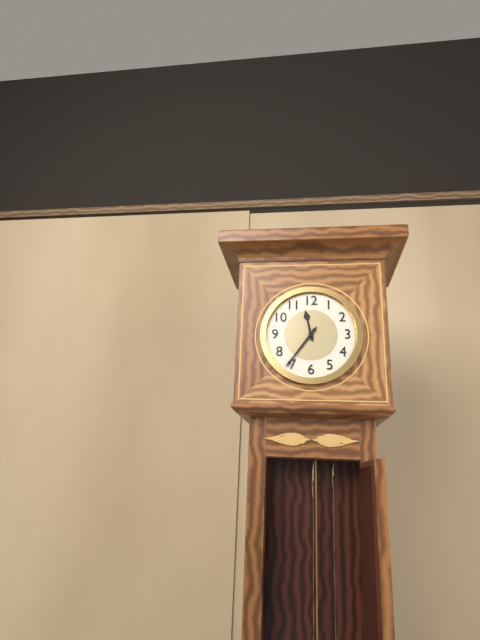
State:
11,36
